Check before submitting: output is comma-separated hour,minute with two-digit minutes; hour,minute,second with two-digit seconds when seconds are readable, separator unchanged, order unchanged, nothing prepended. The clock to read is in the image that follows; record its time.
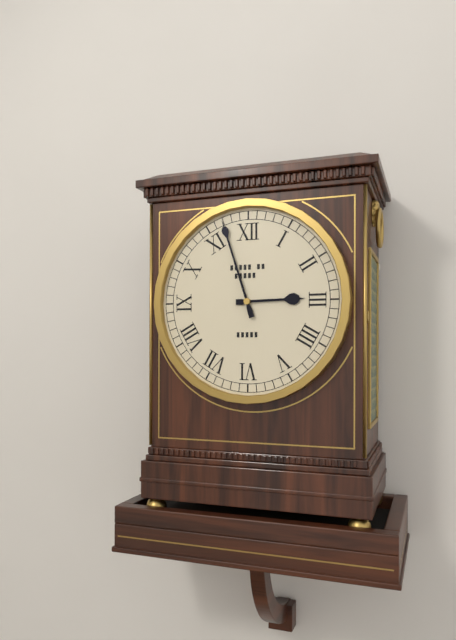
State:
2,57
